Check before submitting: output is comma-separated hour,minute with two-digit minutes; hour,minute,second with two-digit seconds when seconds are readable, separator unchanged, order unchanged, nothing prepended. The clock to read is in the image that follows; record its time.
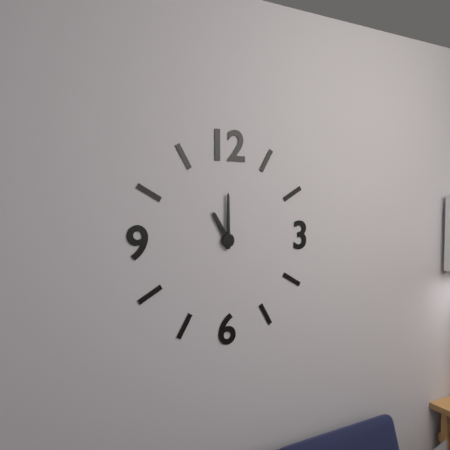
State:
11,00
